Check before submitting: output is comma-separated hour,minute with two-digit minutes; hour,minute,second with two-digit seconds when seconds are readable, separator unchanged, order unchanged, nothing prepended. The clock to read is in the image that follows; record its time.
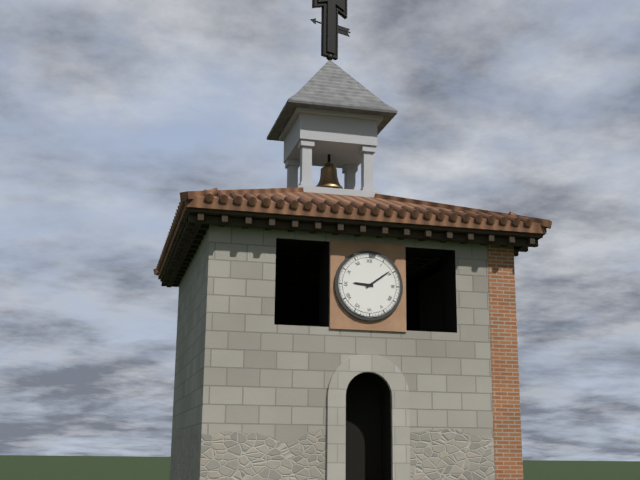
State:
9,09
